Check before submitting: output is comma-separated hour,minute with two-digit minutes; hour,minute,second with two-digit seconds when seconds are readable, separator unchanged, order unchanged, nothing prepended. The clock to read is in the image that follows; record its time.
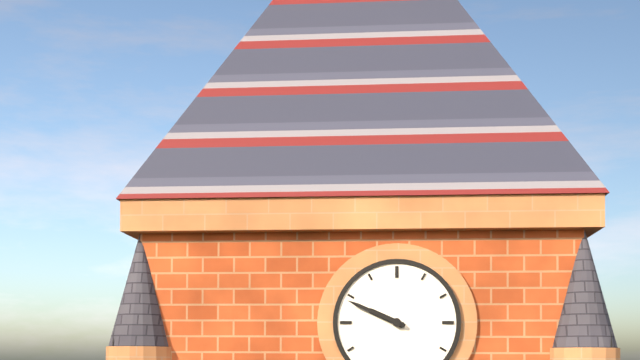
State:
9,49
